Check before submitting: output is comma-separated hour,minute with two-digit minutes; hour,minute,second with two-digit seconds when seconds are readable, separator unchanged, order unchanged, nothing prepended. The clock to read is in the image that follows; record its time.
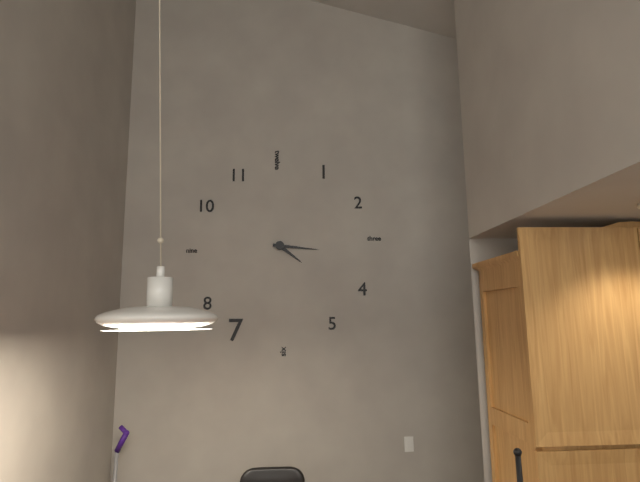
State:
4,16
